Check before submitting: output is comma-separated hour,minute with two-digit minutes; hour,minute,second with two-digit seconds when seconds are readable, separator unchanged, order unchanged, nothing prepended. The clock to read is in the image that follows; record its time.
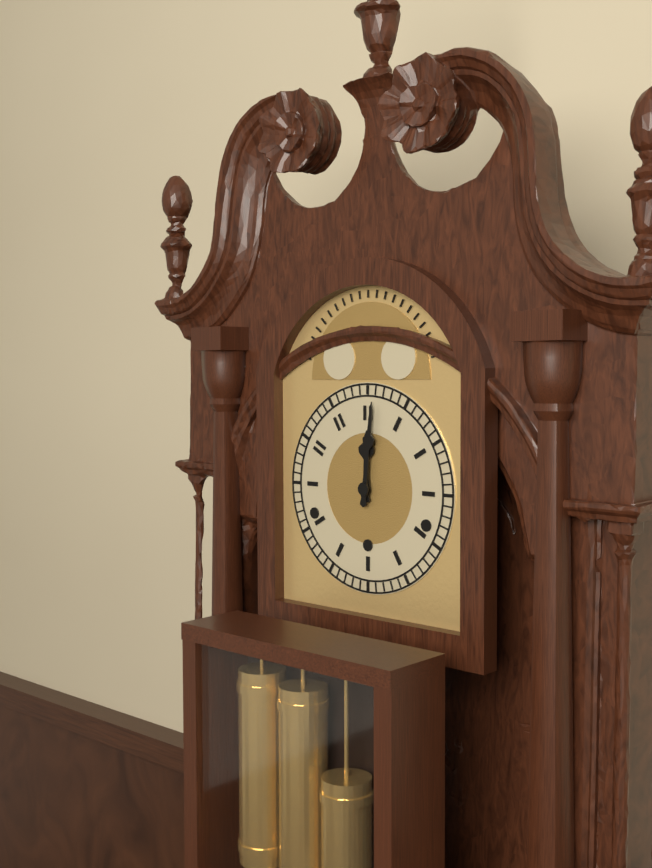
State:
12,01
